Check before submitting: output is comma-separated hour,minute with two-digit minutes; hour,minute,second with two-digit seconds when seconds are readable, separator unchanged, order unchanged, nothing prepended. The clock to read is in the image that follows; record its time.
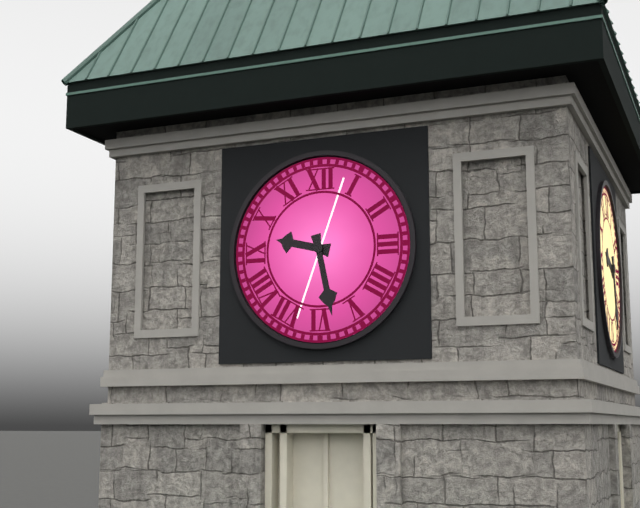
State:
9,28
